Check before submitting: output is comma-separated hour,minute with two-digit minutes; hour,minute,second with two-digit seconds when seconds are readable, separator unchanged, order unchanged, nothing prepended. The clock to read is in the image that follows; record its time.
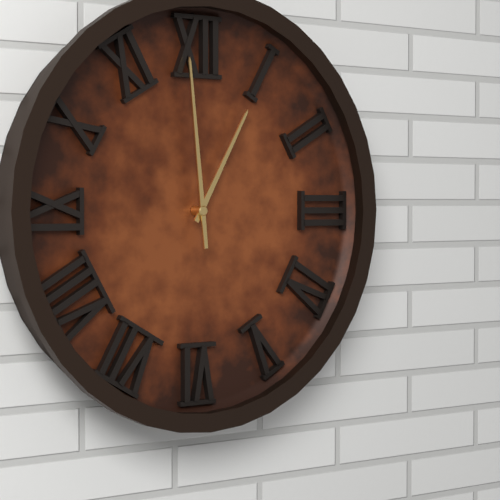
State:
12,59
